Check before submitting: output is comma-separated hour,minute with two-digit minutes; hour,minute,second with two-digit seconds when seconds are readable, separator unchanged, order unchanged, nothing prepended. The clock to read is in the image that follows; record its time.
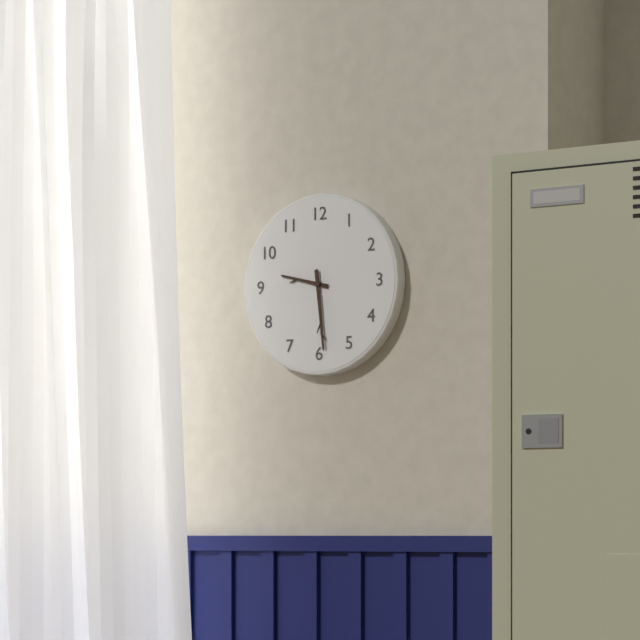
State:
9,29
